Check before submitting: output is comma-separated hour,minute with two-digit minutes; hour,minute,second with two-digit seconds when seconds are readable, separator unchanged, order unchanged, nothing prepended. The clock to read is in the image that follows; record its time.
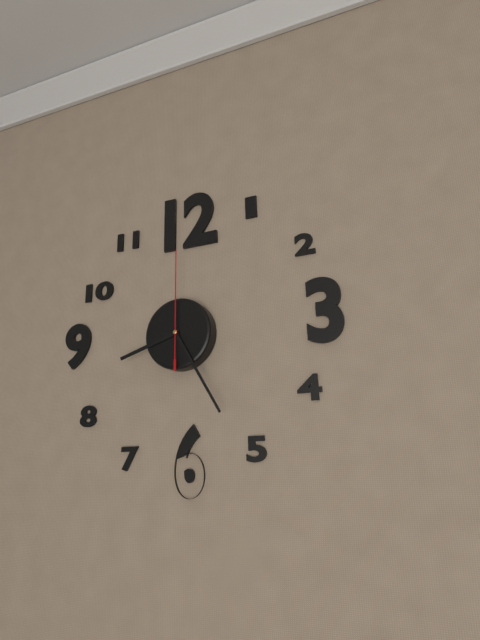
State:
8,25,00
